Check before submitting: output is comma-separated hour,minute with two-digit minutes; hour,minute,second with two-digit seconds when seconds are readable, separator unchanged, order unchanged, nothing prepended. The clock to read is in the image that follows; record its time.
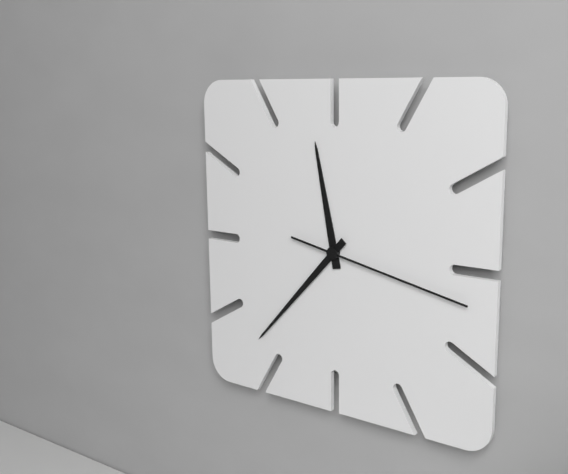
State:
11,37,17
